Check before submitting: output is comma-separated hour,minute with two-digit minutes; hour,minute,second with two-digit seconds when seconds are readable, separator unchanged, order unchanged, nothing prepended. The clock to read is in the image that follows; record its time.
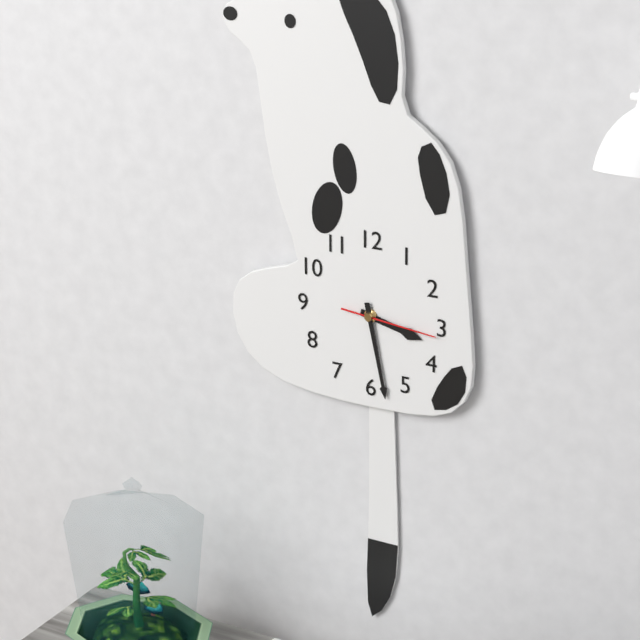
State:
3,28,16
